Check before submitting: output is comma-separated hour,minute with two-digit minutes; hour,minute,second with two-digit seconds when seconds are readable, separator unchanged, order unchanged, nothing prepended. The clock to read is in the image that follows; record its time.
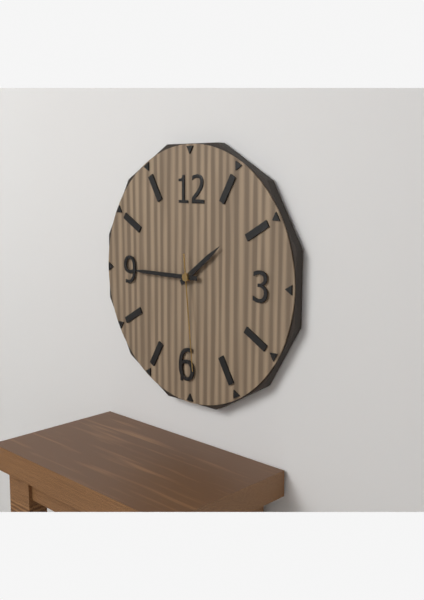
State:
1,45,29
